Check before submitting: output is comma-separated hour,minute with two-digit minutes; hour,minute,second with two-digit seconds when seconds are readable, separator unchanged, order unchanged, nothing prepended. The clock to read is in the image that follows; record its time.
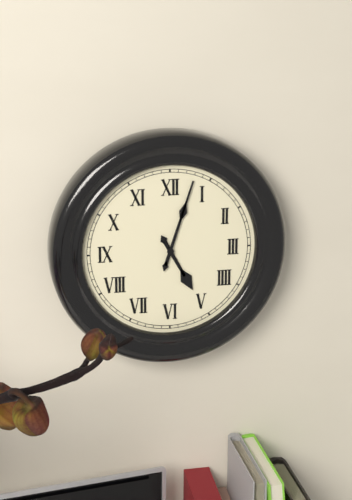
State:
5,03
